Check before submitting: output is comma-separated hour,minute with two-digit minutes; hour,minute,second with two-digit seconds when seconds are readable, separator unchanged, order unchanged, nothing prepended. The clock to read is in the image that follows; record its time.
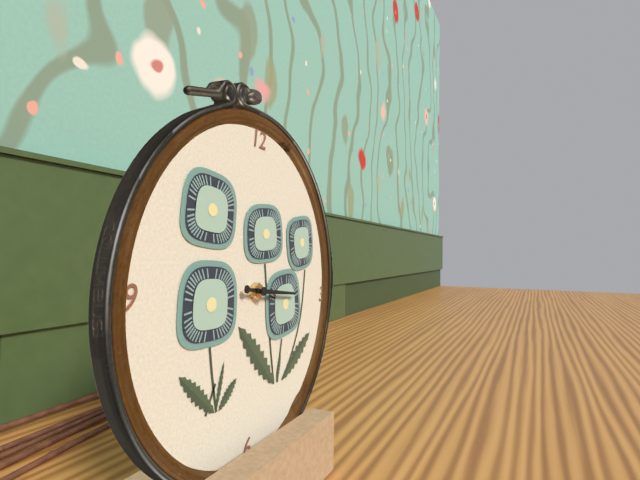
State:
9,16
